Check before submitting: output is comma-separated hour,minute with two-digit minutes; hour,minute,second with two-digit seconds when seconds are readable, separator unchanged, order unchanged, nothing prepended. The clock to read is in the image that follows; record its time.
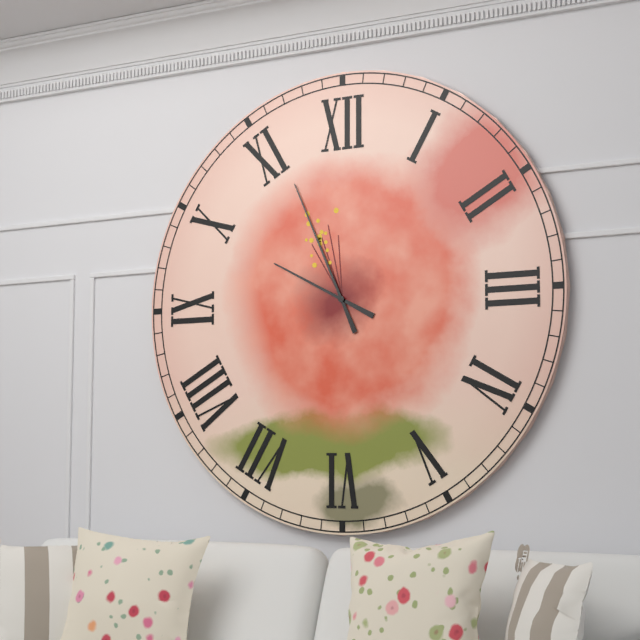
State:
9,56
